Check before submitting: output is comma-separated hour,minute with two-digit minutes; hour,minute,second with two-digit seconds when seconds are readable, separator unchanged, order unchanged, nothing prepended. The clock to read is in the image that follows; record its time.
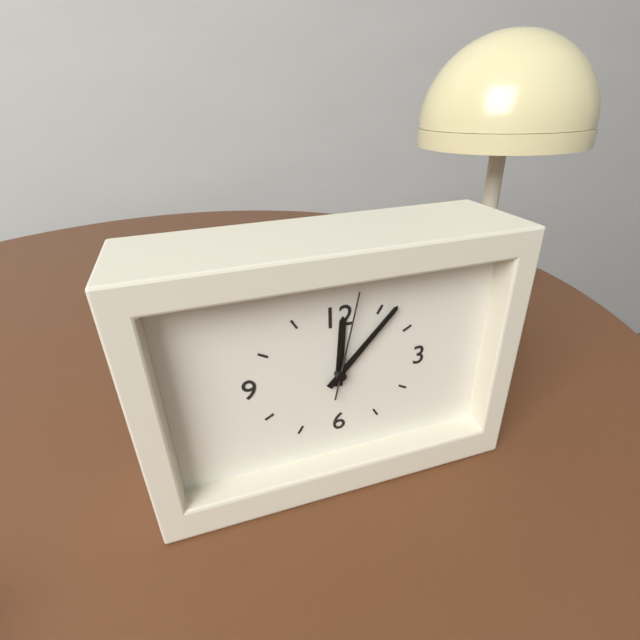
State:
12,07,02
